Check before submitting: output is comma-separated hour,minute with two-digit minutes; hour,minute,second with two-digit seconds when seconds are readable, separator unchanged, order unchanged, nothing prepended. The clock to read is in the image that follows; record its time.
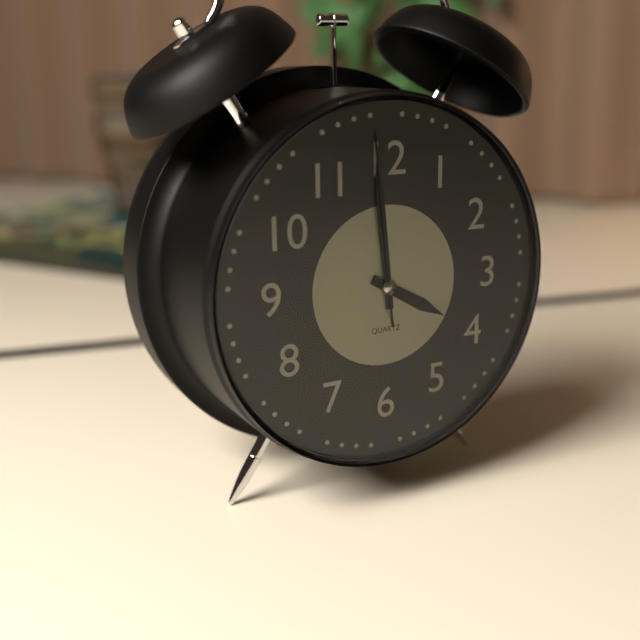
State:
3,59,59
